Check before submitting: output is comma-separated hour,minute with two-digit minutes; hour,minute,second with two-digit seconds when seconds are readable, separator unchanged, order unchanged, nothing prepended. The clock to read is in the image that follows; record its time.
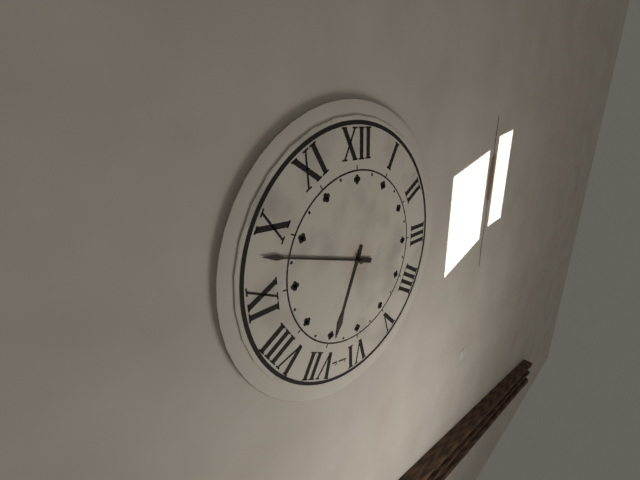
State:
6,48
